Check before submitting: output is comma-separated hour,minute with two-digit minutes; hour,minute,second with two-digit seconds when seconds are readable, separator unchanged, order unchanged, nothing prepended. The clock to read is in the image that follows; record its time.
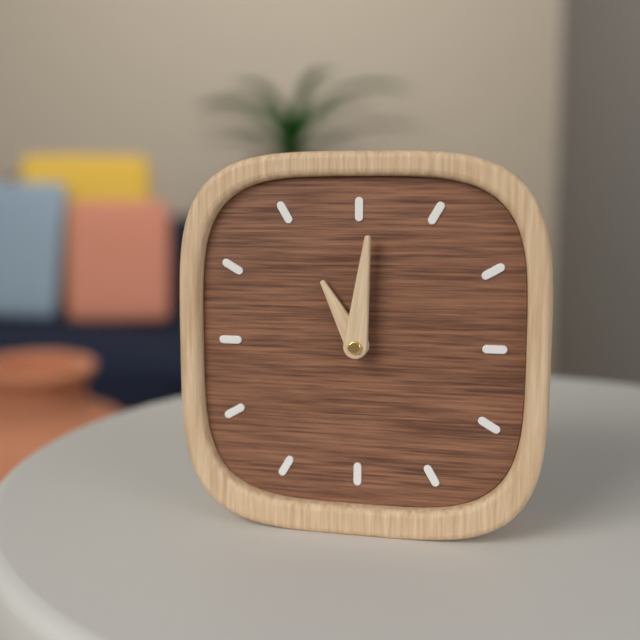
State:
11,01
